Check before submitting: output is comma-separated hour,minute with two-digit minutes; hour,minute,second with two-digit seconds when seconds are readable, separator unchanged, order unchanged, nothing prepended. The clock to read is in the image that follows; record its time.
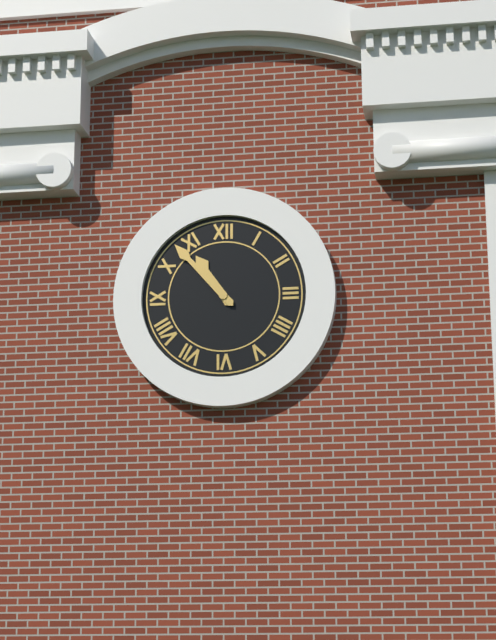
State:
10,53
